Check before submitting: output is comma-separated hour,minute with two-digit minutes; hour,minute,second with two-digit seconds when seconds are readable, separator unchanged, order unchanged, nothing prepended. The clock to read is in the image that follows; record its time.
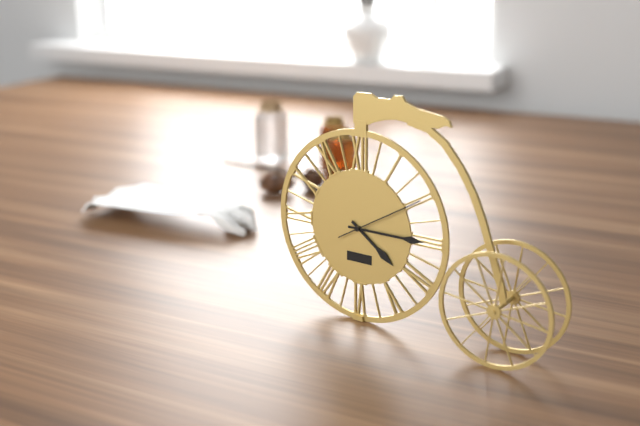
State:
4,15,10
